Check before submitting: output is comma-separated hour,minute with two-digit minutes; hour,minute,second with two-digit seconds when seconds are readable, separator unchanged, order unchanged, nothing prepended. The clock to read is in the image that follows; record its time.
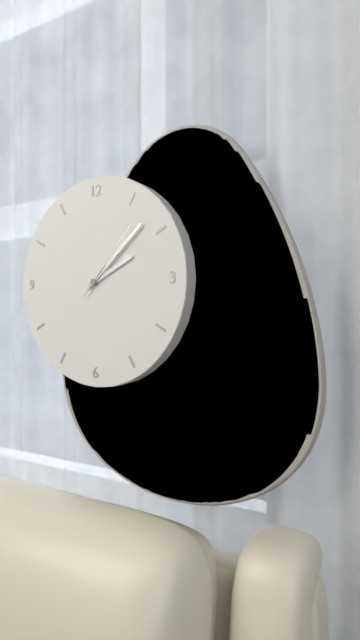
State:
2,08,07
